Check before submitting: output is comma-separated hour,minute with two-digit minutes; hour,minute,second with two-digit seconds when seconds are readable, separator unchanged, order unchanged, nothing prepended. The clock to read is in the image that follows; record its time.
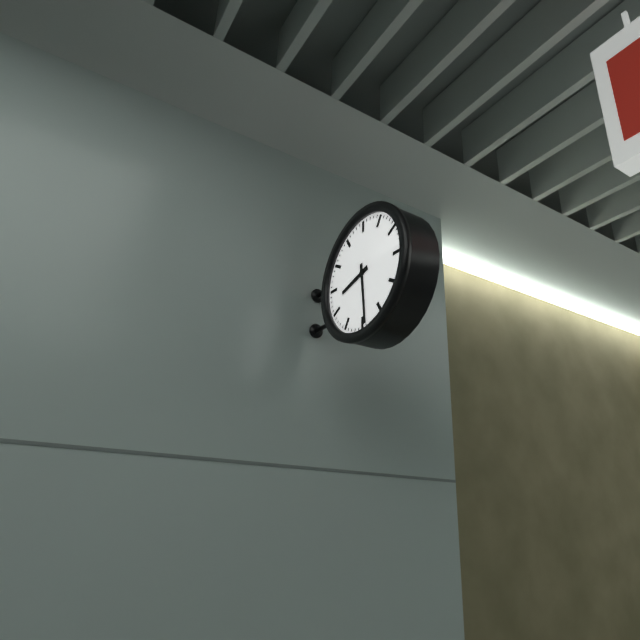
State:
8,29
